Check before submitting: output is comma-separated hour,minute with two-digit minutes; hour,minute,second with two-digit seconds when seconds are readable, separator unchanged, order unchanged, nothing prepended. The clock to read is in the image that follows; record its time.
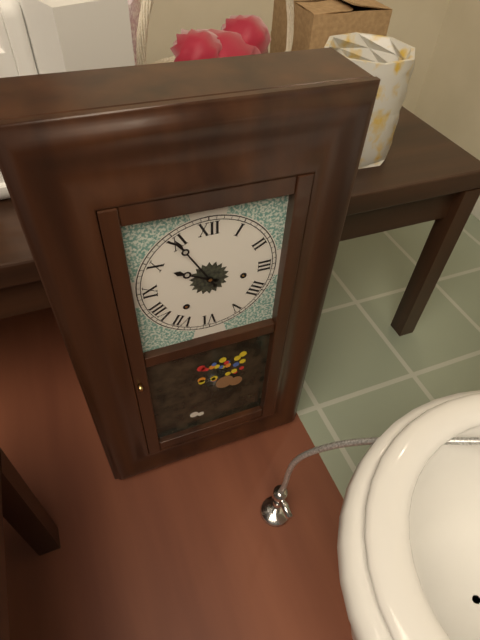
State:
9,55
